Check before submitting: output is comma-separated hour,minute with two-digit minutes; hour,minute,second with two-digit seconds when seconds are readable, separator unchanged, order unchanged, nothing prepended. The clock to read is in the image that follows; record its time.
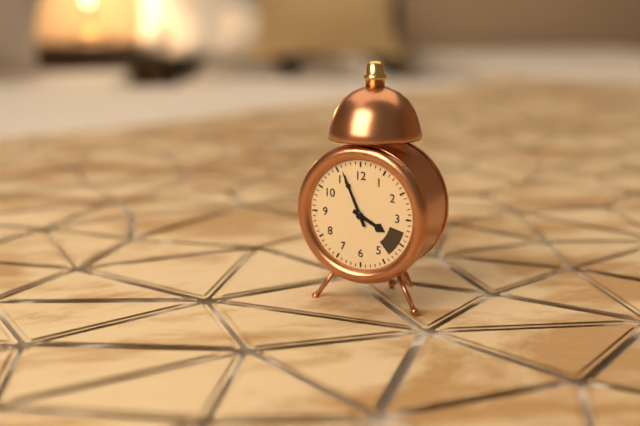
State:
3,56
